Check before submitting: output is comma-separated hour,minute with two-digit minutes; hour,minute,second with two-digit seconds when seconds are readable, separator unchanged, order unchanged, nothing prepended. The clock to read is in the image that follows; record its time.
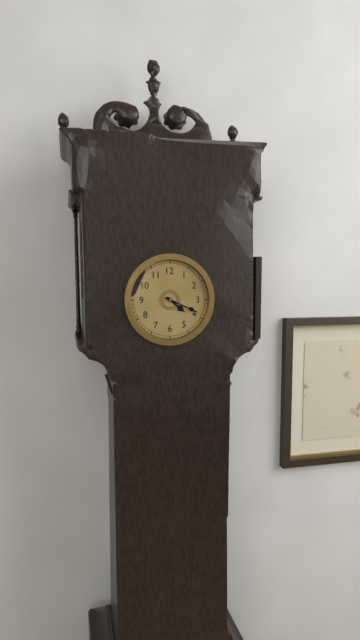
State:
4,19
